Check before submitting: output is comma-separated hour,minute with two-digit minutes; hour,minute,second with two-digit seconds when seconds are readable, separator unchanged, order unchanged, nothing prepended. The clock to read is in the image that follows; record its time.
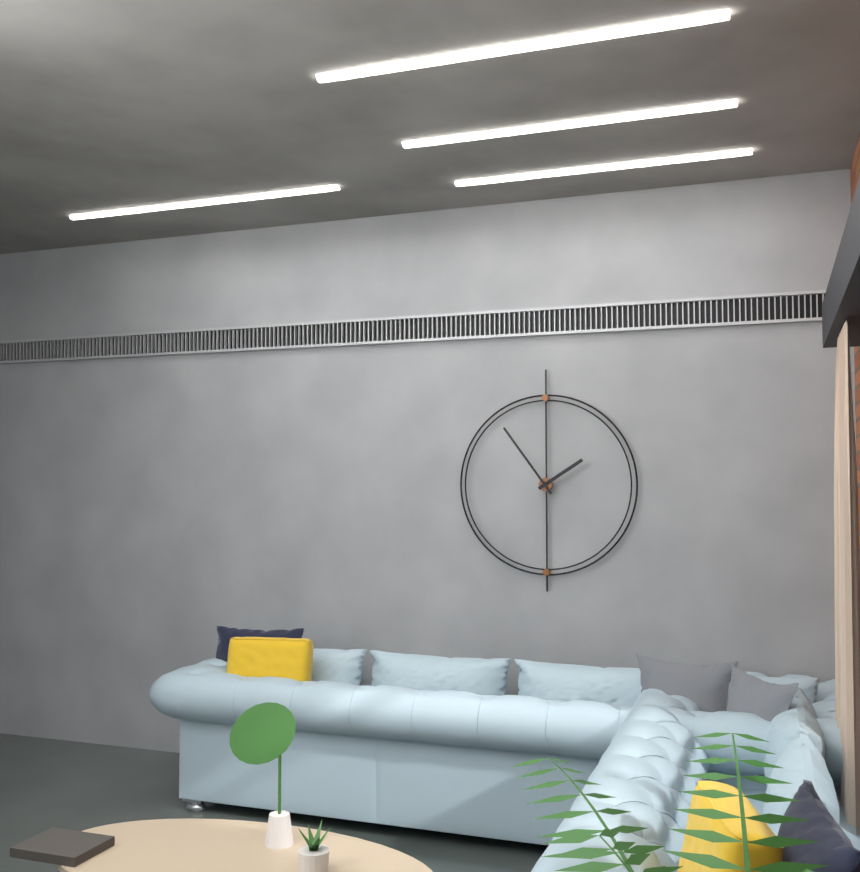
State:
1,54
